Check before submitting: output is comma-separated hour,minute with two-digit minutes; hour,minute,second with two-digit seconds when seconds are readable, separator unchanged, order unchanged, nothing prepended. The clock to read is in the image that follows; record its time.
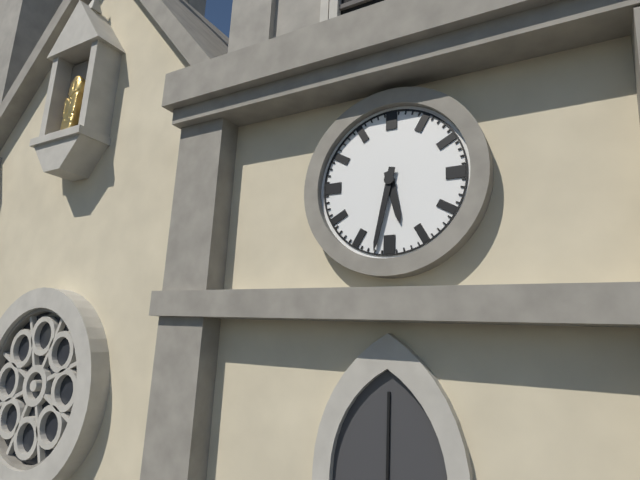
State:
5,32
